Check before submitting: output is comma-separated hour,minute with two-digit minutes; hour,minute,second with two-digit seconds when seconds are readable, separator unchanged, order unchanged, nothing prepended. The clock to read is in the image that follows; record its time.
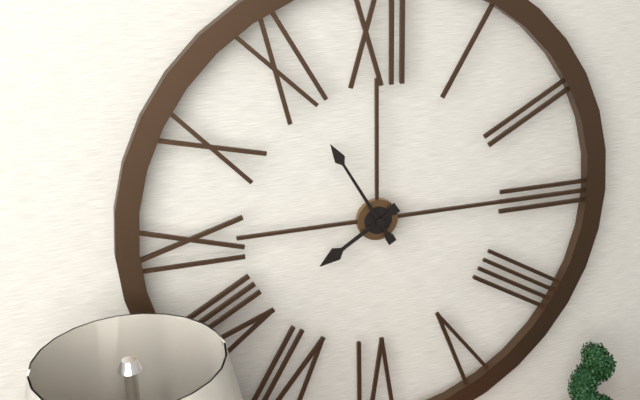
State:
7,55
